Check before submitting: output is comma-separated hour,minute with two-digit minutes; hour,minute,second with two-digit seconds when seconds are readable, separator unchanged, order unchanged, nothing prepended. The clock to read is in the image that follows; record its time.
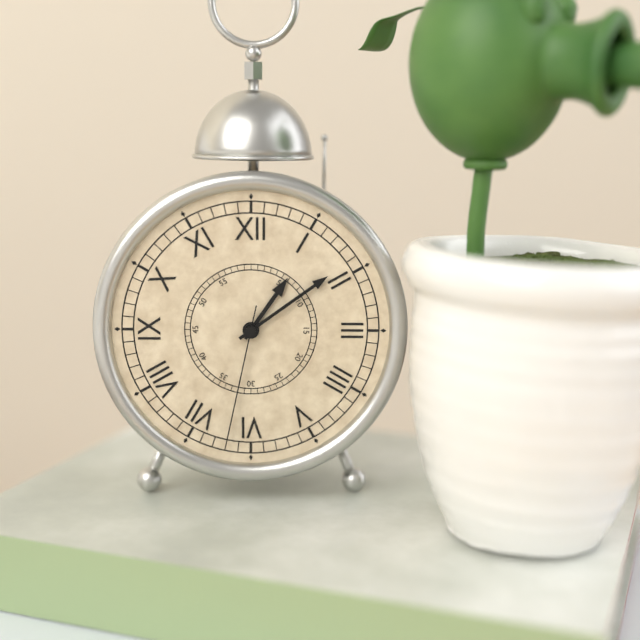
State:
1,09,32
